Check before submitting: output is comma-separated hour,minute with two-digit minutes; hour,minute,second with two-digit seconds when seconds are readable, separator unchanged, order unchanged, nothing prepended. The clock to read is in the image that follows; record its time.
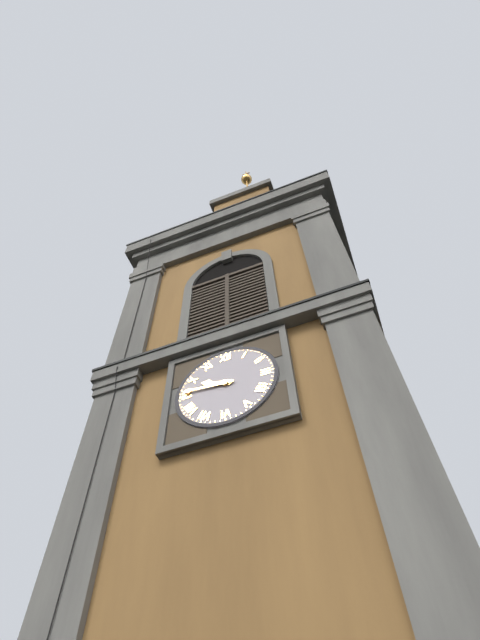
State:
9,46
